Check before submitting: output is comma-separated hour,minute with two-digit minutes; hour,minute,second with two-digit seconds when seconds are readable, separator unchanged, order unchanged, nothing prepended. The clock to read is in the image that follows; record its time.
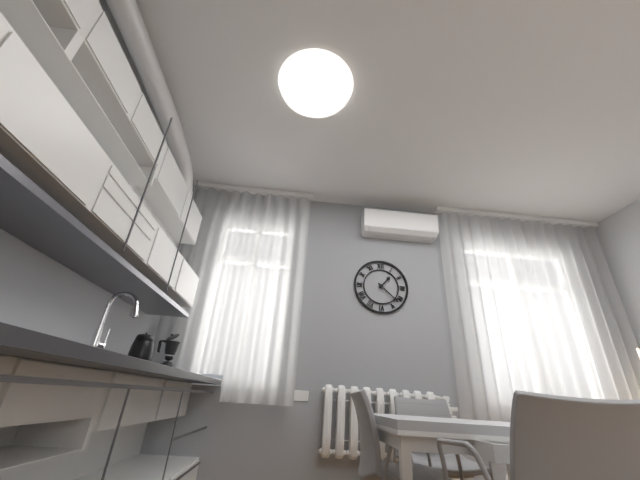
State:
1,22
